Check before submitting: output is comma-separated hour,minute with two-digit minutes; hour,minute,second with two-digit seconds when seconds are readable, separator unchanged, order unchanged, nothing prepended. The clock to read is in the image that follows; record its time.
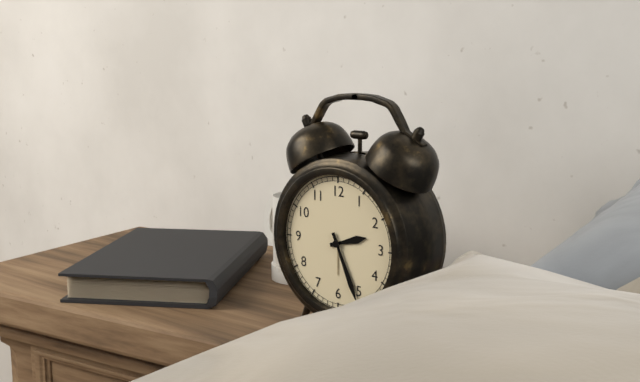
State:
2,26
